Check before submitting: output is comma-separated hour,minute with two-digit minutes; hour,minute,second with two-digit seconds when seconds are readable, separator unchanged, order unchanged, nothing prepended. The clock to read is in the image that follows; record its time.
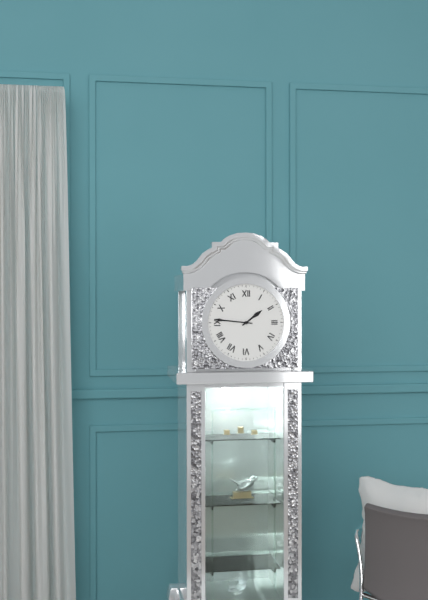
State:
1,46
